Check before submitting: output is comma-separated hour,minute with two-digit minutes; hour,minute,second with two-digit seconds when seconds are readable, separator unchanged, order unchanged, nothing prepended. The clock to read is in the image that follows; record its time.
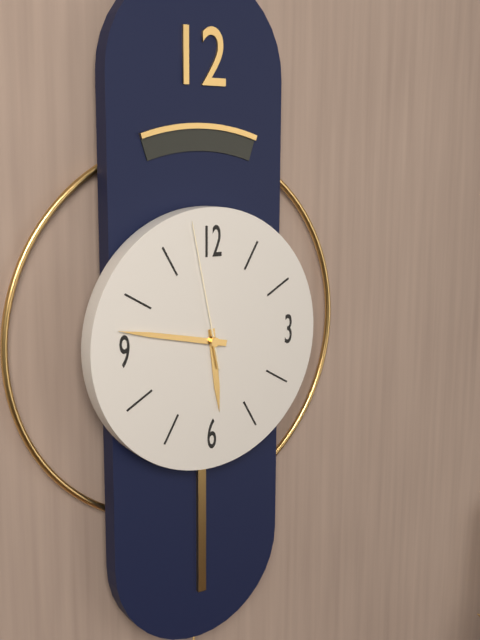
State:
5,47,58
